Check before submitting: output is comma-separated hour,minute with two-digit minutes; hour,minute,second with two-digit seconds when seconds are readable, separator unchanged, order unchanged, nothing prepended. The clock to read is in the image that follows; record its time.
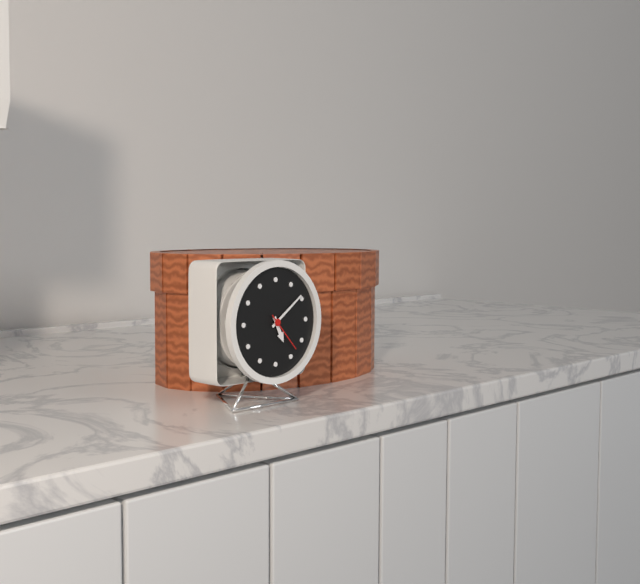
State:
5,09
